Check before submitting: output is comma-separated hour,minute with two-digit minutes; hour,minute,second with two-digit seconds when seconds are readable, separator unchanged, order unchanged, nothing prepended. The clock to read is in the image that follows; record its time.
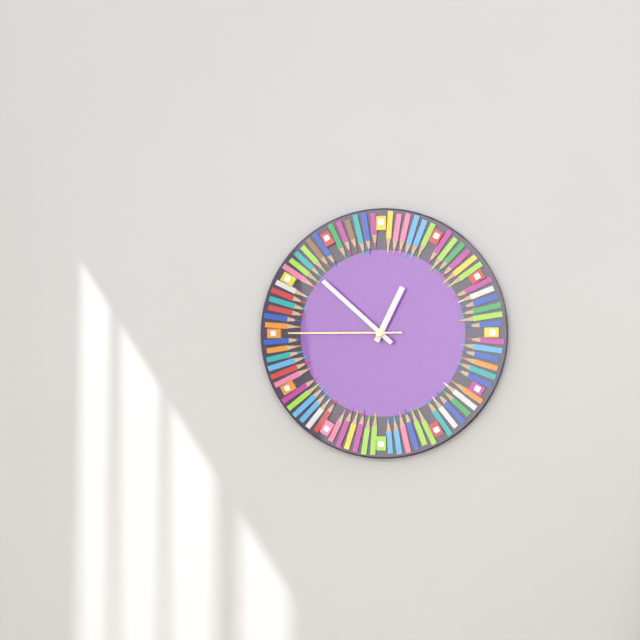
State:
12,52,45
